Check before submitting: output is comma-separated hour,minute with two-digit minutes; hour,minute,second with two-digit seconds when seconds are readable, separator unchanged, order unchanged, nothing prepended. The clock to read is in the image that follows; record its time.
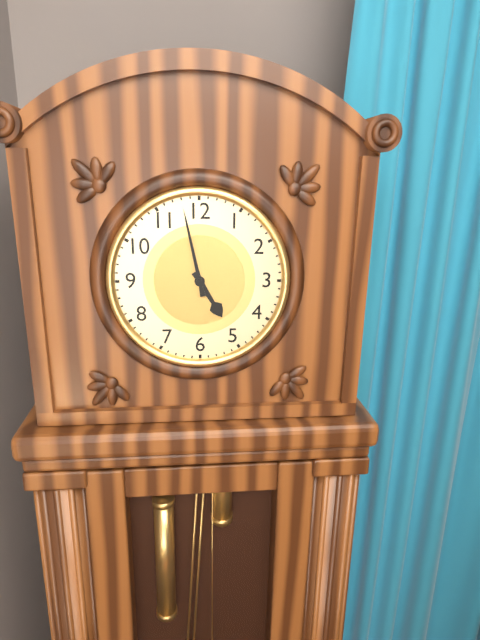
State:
4,58
